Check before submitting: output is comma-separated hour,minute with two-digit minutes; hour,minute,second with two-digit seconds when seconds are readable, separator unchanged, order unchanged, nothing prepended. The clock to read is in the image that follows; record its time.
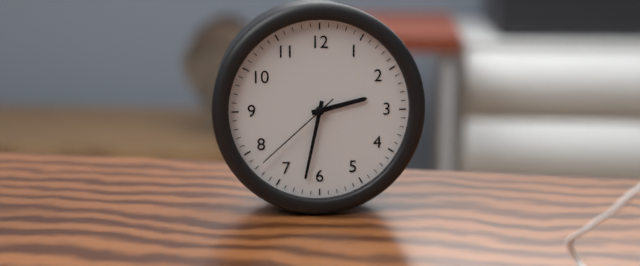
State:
2,32,38
